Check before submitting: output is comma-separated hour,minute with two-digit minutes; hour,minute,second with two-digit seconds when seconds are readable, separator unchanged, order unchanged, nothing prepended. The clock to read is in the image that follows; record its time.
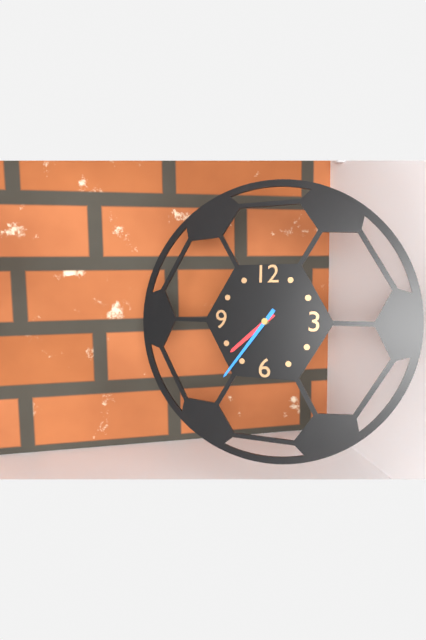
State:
7,36
